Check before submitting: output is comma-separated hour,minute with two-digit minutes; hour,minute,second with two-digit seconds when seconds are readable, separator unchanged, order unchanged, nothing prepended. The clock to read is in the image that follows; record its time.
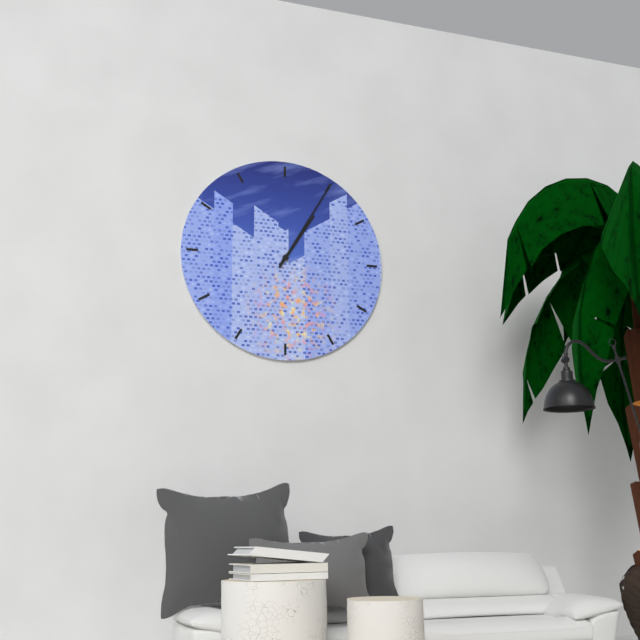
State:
1,05
